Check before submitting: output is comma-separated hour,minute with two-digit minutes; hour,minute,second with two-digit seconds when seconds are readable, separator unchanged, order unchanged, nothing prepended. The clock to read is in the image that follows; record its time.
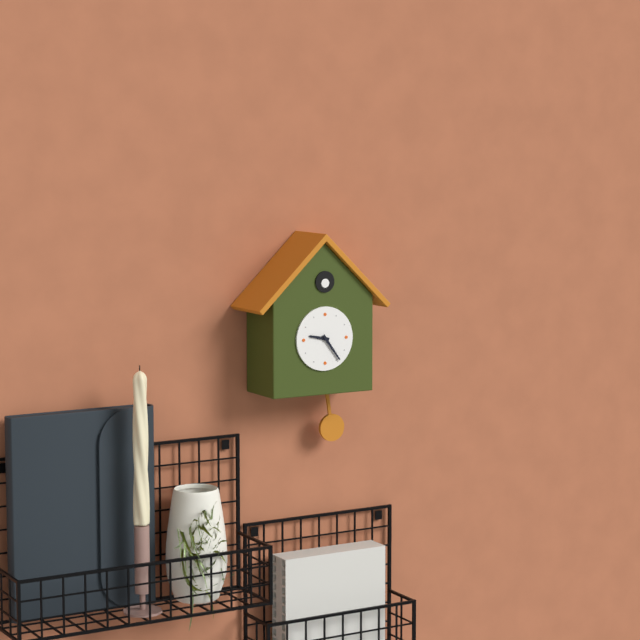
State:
9,24
